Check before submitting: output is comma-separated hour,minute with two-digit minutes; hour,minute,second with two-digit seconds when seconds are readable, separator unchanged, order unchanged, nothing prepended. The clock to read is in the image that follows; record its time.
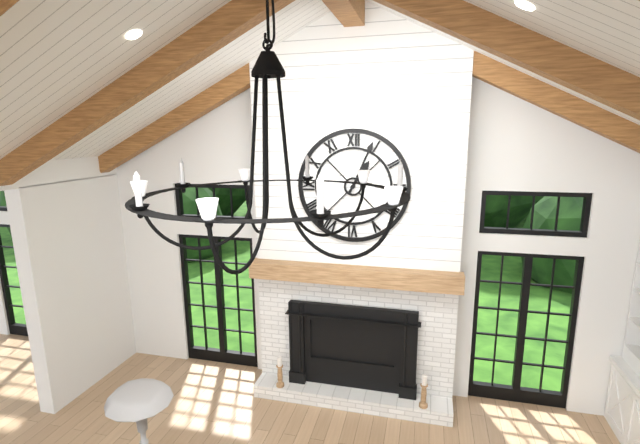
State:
1,04
